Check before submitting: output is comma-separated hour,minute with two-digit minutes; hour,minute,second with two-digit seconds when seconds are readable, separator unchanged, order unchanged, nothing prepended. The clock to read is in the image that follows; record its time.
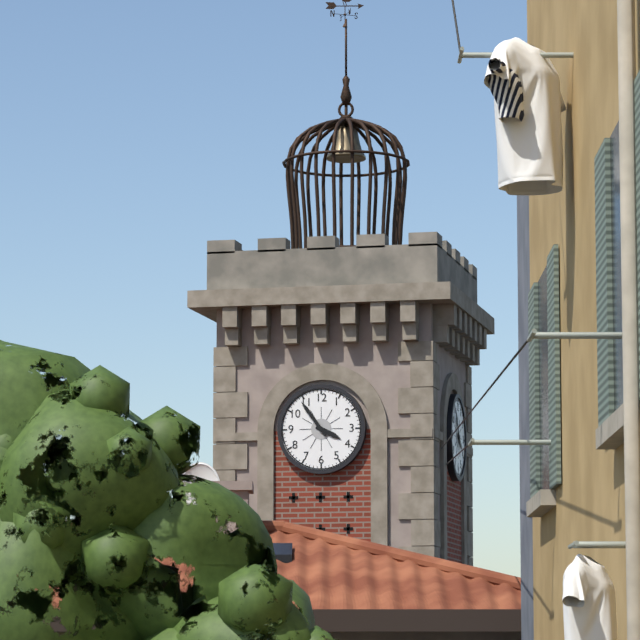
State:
3,54
